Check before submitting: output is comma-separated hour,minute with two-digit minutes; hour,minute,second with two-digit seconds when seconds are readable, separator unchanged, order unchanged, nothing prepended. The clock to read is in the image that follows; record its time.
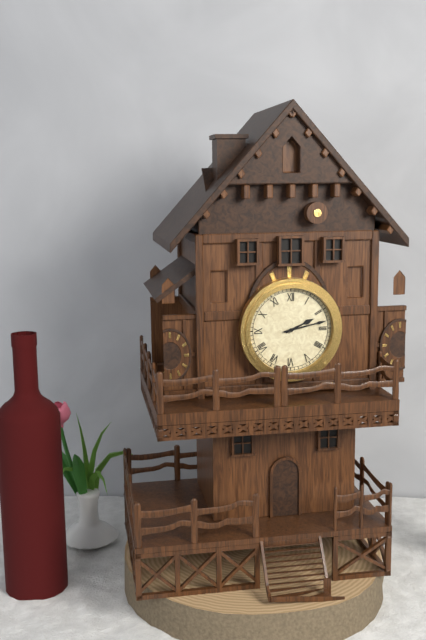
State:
2,13
